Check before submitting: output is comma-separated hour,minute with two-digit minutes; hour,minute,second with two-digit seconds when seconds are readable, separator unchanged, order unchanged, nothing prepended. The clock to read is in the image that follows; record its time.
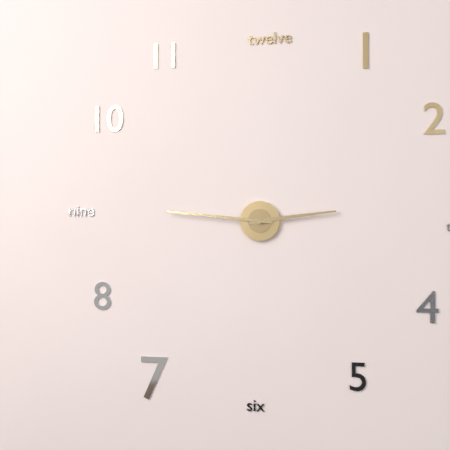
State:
2,46
